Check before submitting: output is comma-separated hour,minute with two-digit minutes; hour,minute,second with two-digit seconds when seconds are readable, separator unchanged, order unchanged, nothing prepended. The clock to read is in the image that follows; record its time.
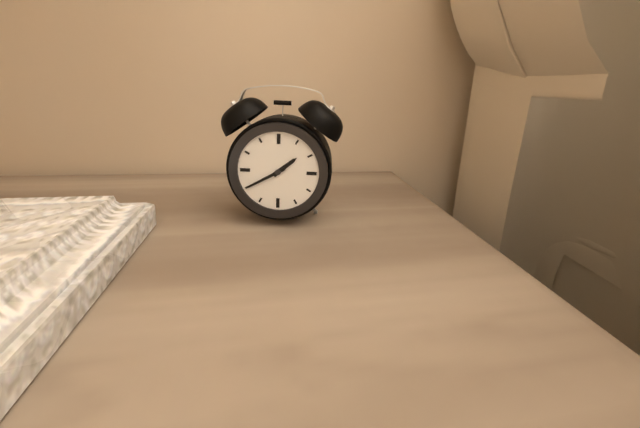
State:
1,40
